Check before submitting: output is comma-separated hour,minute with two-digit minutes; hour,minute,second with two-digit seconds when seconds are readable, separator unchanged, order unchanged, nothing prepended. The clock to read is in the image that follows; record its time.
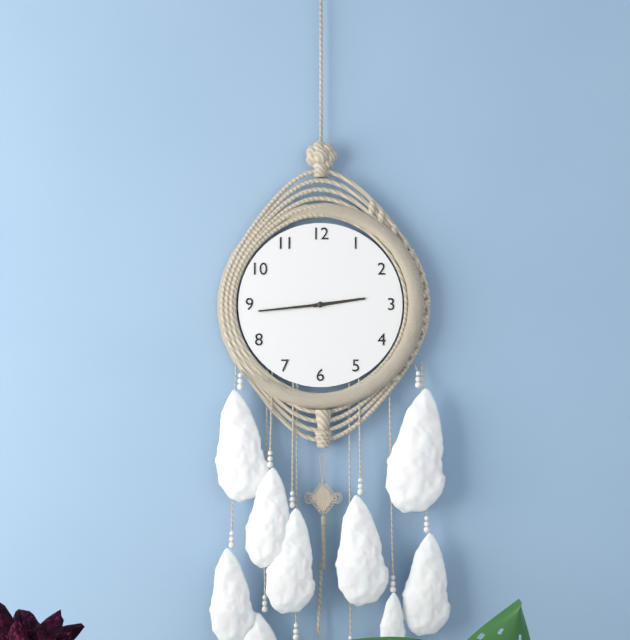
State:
2,44
